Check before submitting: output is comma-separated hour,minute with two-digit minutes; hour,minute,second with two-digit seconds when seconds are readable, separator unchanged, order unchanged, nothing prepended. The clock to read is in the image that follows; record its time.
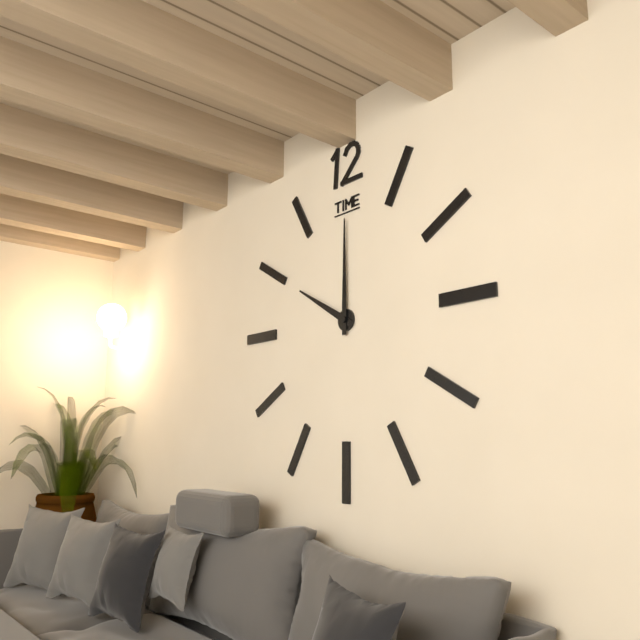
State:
10,00
